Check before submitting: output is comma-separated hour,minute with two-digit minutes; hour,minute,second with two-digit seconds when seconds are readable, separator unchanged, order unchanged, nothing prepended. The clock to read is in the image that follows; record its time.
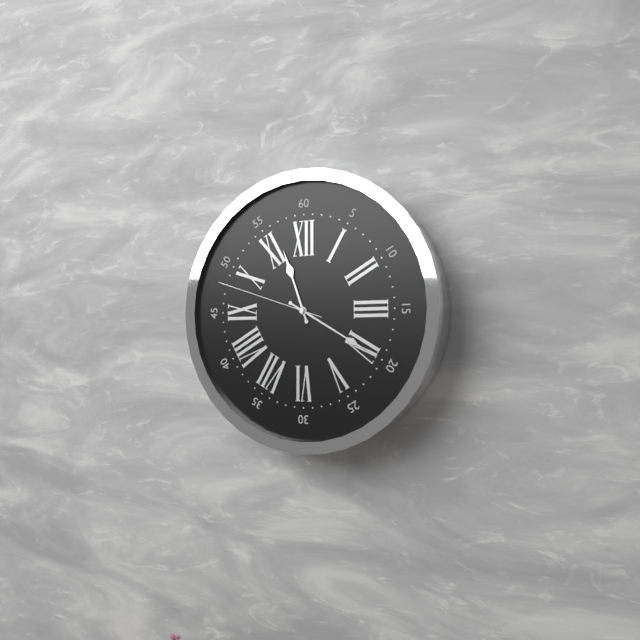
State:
11,20,48
